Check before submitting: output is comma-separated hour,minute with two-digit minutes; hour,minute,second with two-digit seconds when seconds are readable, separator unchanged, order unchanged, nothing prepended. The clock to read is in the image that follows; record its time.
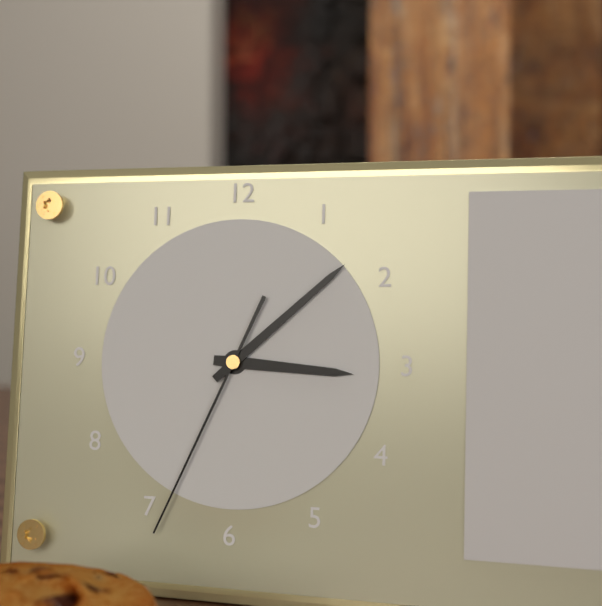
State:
3,08,34
